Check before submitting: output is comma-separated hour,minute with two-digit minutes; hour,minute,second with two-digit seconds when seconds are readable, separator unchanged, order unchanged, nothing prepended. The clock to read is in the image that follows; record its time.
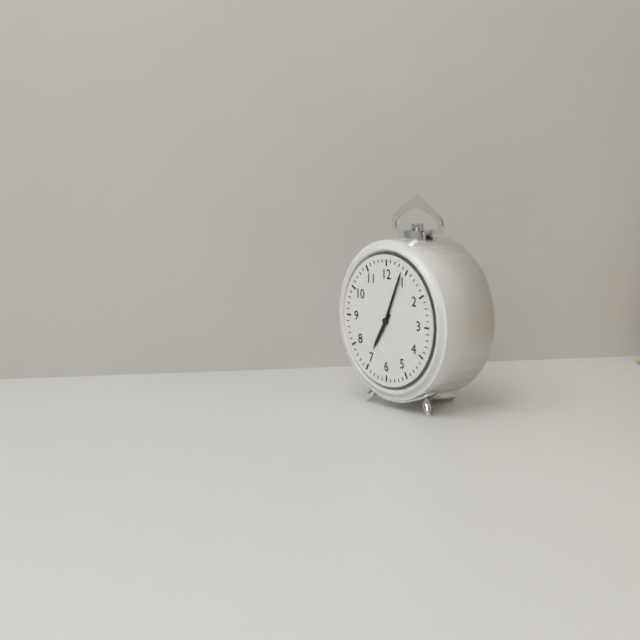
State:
7,04
